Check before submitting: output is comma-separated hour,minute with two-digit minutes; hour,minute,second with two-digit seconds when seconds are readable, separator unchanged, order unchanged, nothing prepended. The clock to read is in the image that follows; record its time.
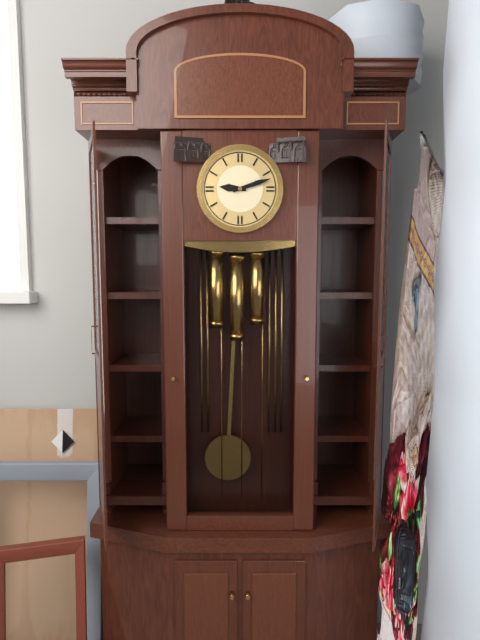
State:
9,12
